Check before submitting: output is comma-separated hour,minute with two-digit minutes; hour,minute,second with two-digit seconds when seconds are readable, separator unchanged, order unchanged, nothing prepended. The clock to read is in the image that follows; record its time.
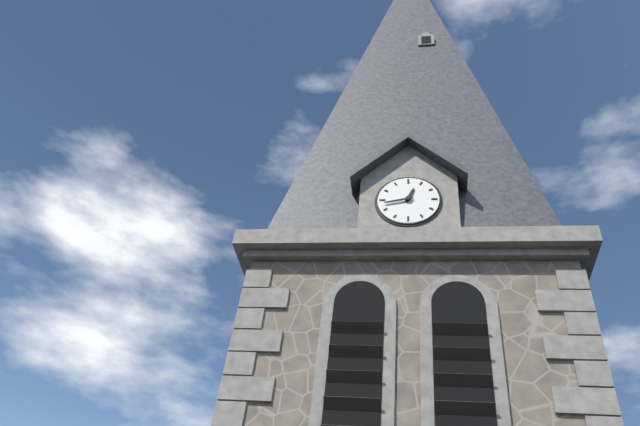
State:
12,43
